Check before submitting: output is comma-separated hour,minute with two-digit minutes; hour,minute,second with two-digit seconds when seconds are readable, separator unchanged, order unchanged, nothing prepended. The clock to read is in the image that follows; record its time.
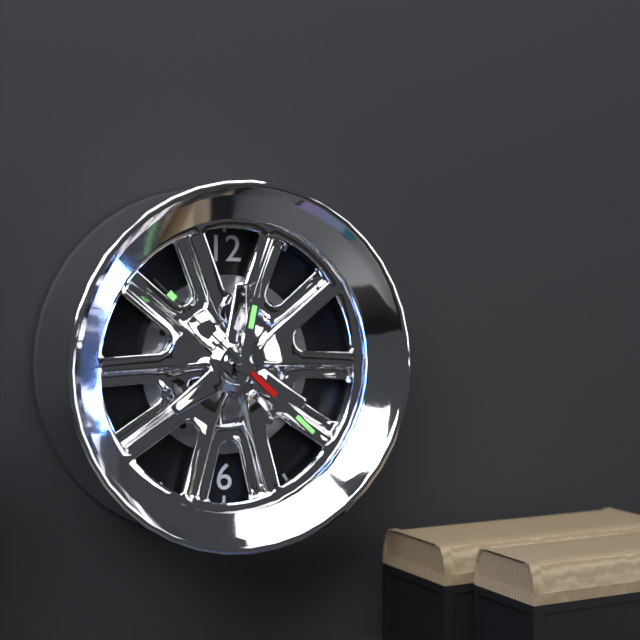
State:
12,22,52
